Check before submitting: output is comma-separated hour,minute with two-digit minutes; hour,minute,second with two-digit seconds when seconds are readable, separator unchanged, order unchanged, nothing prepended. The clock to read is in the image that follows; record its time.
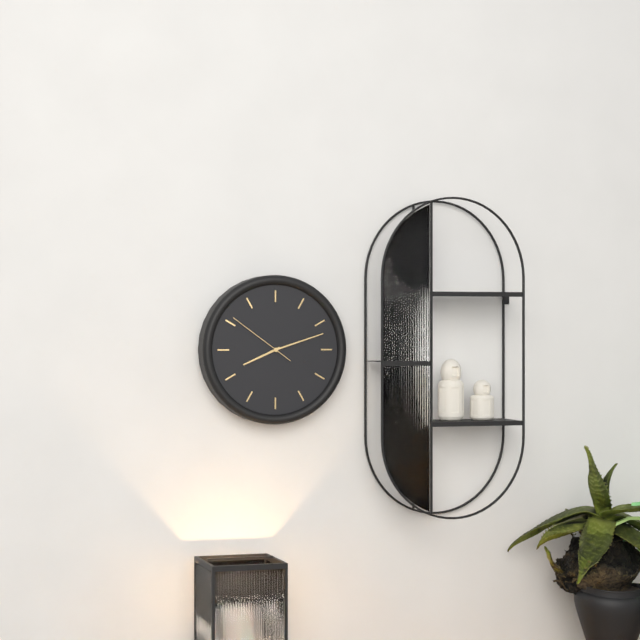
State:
8,12,51
